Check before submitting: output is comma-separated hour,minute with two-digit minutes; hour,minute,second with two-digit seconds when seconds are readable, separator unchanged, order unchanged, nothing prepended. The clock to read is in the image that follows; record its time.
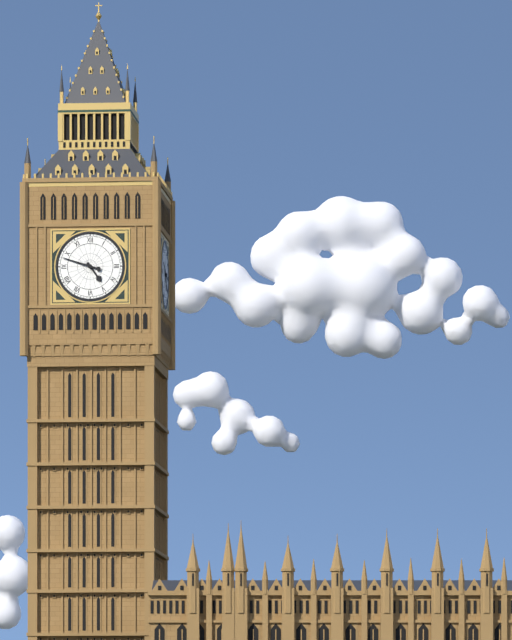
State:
4,48
